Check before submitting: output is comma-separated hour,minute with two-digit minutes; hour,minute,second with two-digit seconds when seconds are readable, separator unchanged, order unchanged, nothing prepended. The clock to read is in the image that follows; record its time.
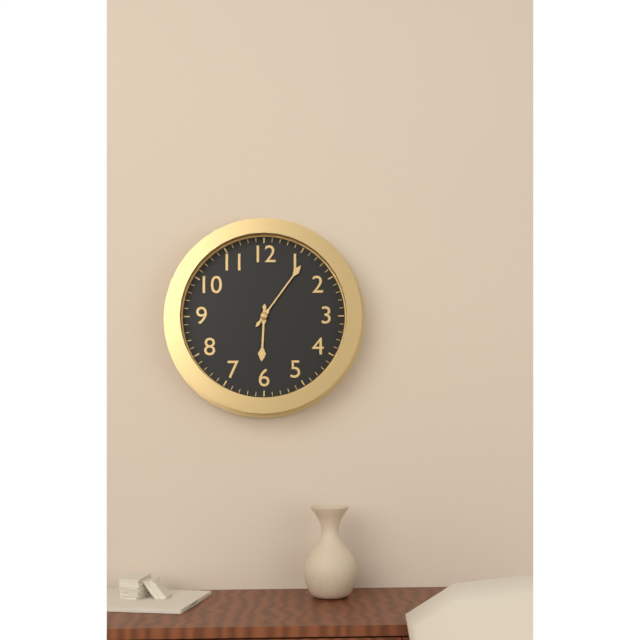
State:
6,06
